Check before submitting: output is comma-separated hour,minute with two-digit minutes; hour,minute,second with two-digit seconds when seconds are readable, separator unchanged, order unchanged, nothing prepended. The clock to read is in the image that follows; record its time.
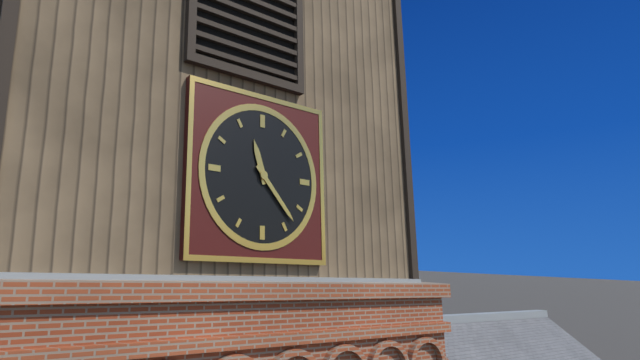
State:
11,23
